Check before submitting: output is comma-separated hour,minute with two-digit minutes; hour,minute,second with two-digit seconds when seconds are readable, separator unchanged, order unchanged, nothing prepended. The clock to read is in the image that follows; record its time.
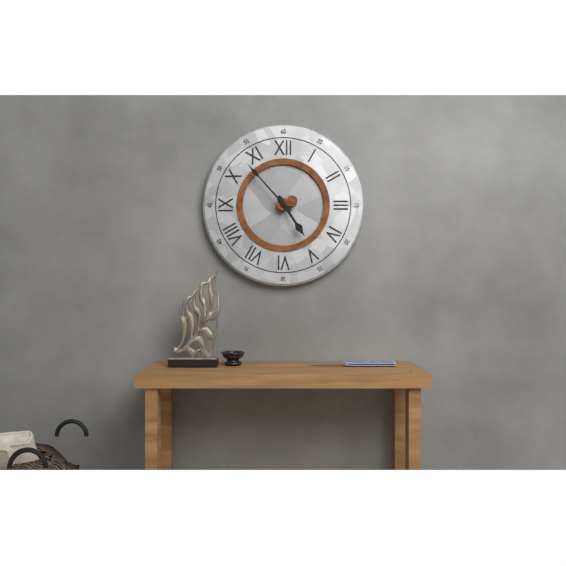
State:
4,53
